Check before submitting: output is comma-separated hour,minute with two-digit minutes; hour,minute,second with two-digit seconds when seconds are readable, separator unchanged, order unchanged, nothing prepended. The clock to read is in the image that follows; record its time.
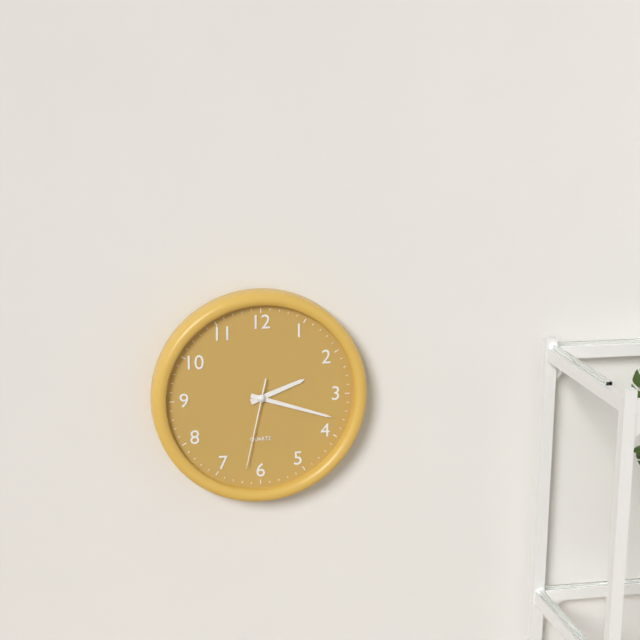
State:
2,18,32
